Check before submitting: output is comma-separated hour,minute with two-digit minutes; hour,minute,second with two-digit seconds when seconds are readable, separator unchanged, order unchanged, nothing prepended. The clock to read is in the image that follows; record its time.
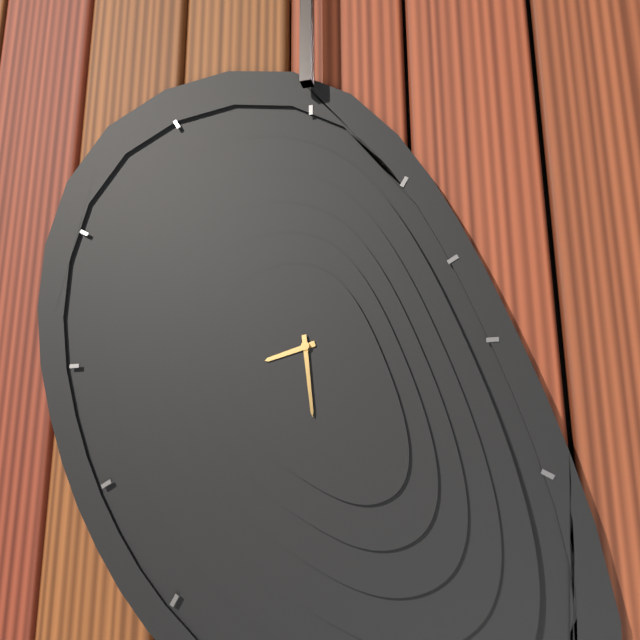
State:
8,29
